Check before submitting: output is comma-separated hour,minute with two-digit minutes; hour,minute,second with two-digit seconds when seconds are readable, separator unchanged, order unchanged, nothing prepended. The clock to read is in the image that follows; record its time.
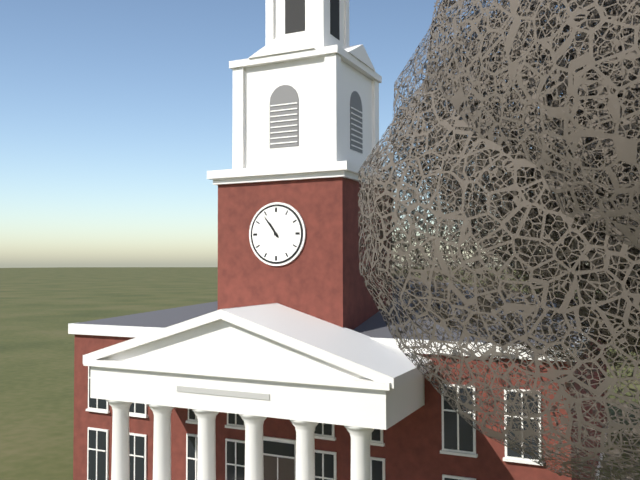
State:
10,54
